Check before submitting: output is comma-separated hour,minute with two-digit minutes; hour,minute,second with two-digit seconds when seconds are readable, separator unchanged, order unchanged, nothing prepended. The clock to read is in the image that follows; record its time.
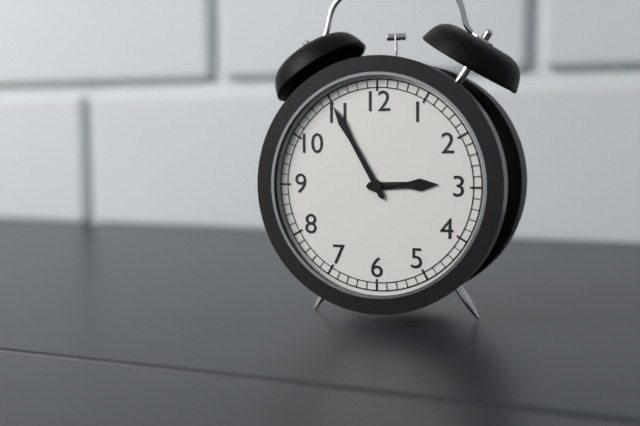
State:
2,55
